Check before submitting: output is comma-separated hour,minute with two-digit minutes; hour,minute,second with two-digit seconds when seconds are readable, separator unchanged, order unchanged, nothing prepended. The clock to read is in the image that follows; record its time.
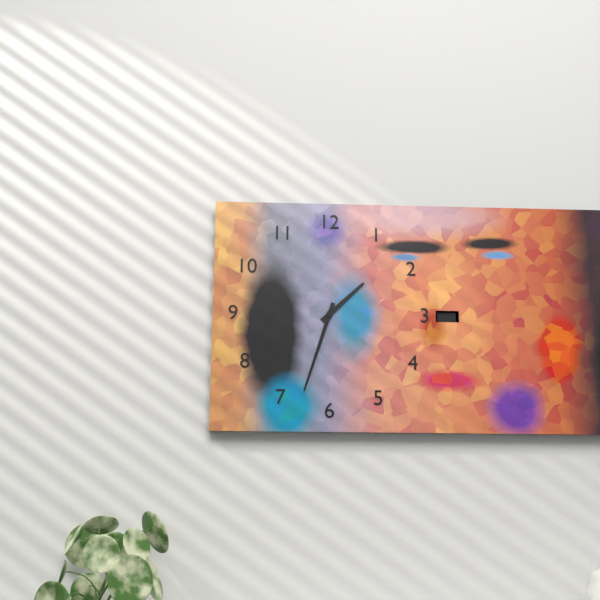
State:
1,33
